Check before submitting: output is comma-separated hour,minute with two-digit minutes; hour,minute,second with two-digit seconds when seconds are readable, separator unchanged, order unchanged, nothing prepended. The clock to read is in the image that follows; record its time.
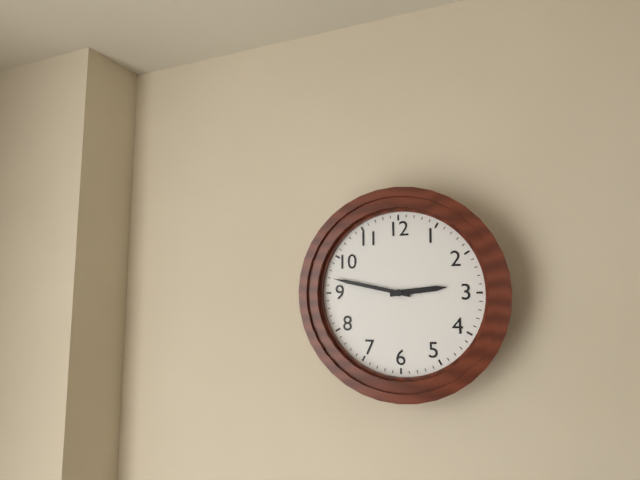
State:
2,47
